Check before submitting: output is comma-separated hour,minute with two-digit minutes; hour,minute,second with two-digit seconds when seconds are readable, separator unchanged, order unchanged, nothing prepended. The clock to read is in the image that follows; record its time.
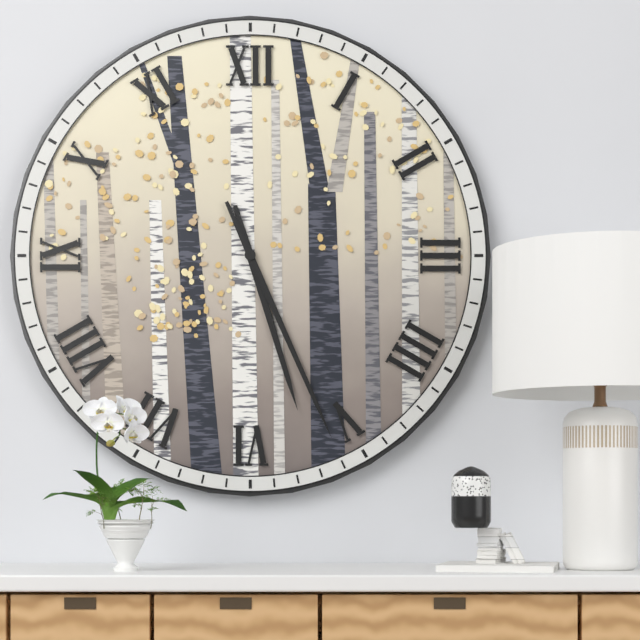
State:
5,26
